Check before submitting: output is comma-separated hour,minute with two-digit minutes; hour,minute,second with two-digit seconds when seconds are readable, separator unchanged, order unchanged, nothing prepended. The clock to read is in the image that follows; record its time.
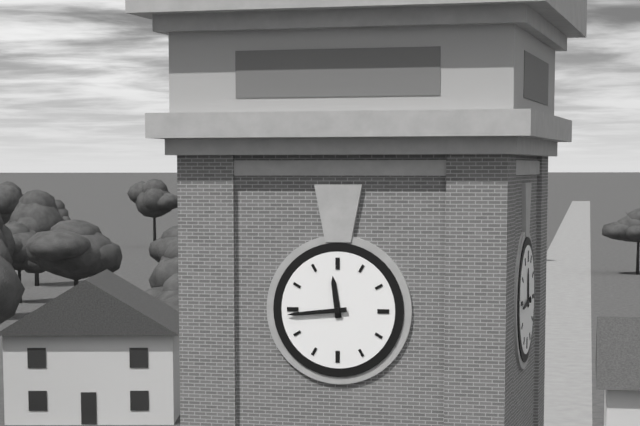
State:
11,44
